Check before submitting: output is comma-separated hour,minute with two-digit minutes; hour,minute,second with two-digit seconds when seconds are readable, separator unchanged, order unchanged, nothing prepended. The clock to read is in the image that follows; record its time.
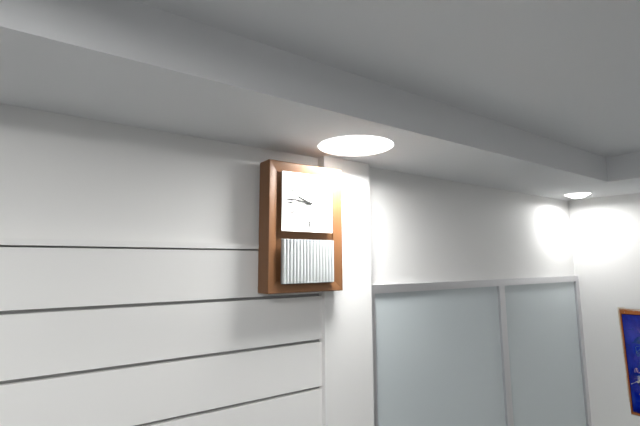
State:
9,46
